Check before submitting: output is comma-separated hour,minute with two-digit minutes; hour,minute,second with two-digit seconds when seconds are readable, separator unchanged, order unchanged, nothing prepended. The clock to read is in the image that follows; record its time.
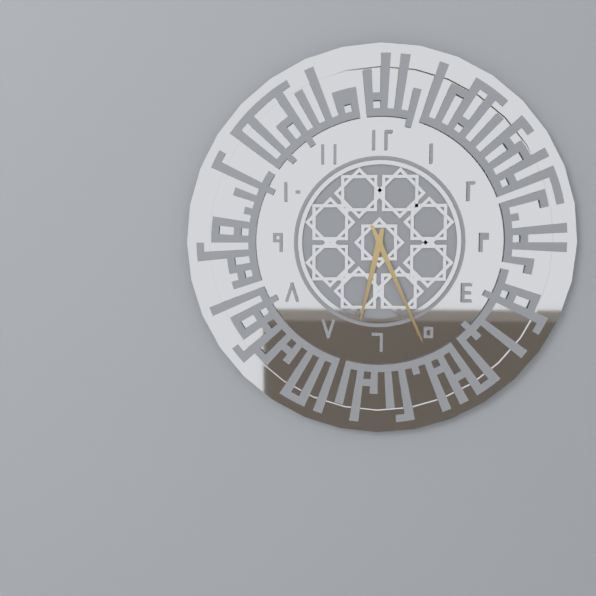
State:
6,26
